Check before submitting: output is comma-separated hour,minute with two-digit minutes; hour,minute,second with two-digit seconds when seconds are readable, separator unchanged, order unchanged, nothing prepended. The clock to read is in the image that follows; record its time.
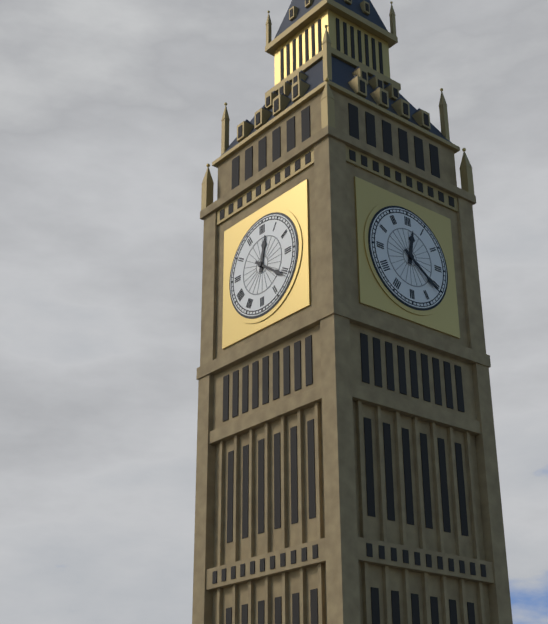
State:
12,21
